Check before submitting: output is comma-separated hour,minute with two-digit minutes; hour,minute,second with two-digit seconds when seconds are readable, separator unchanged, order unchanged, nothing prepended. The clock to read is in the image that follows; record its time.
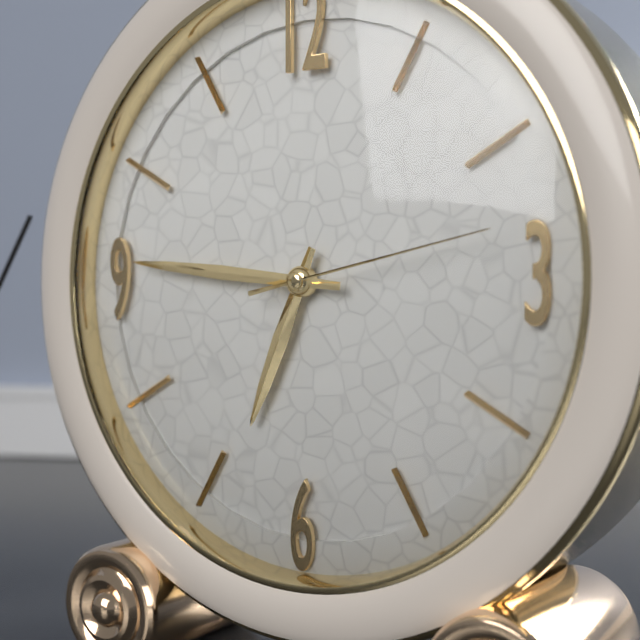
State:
6,46,13
